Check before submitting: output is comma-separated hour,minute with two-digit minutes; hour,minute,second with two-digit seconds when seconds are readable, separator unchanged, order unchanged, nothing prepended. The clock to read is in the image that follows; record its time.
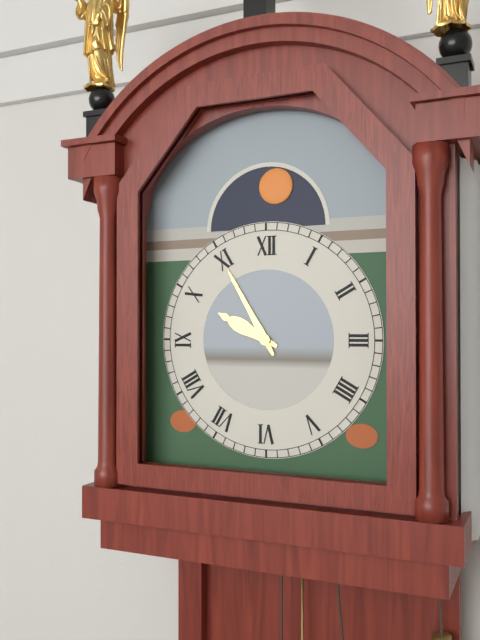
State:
9,55
